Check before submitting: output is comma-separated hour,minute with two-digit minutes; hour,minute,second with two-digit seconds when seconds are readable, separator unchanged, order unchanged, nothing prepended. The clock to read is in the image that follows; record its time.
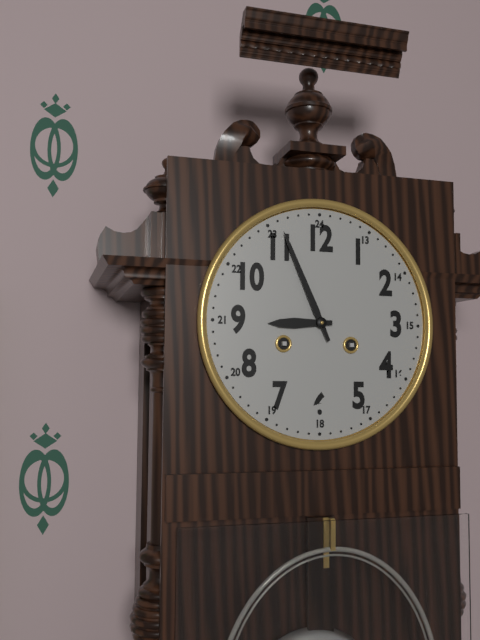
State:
8,56
